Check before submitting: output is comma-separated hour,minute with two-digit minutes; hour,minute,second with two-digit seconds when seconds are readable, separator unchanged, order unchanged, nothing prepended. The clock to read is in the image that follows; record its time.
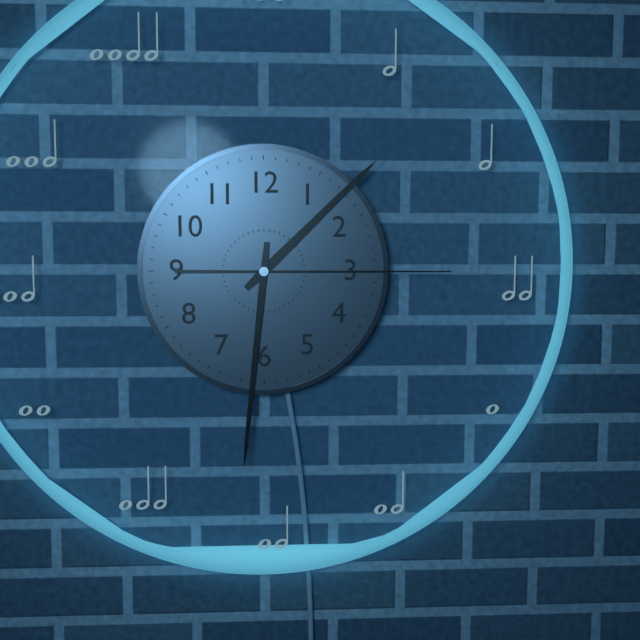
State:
1,31,15
